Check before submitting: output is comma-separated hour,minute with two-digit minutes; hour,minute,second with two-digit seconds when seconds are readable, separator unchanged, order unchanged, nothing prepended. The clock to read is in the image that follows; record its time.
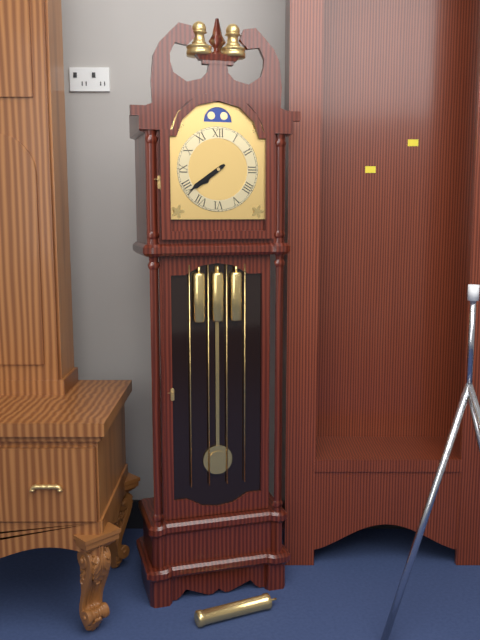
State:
7,39
